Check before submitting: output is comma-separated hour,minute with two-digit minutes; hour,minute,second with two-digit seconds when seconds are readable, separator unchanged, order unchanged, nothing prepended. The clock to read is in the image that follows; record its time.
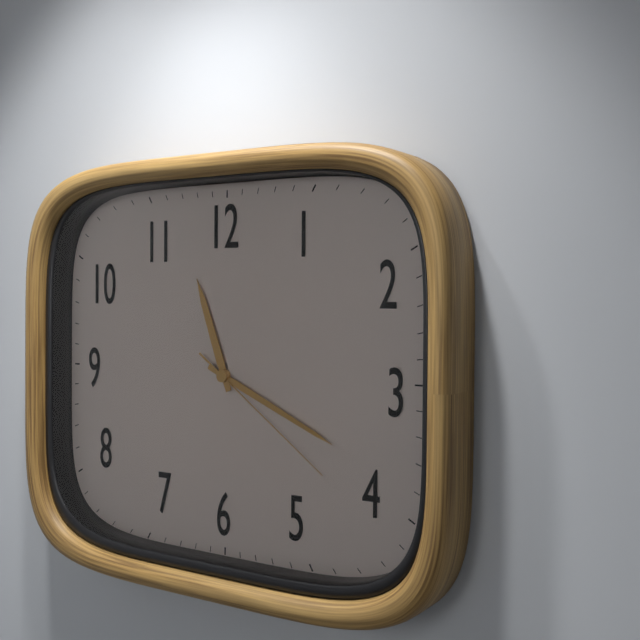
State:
11,19,21
